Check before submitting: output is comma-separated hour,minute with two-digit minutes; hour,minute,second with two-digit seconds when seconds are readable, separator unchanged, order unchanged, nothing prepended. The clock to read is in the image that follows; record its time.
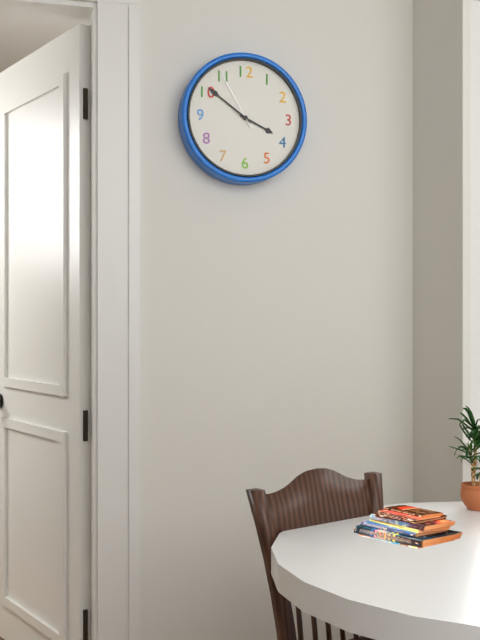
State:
3,51,55
